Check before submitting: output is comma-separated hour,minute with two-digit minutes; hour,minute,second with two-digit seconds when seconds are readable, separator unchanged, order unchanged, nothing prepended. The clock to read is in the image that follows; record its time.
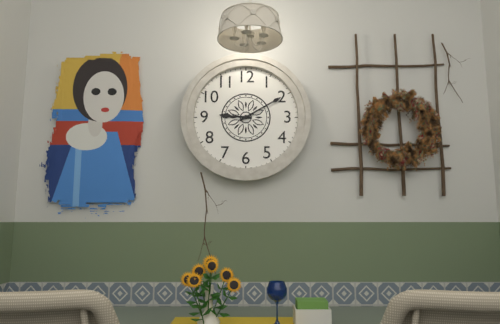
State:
9,10
